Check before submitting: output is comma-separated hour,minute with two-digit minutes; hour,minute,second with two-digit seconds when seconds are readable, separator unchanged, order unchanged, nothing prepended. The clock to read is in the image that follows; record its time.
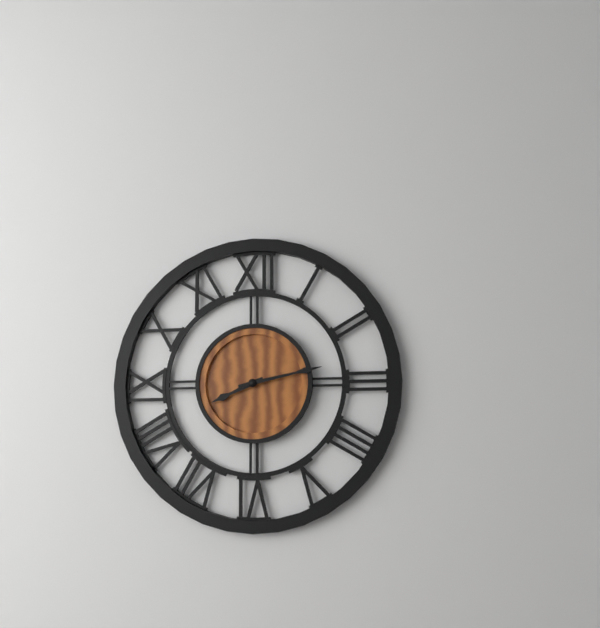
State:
8,13
